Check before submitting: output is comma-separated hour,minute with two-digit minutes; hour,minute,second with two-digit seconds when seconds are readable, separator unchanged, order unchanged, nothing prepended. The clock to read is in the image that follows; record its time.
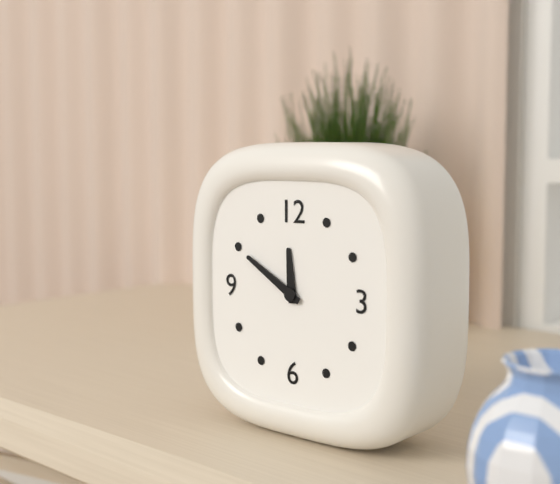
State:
11,50
